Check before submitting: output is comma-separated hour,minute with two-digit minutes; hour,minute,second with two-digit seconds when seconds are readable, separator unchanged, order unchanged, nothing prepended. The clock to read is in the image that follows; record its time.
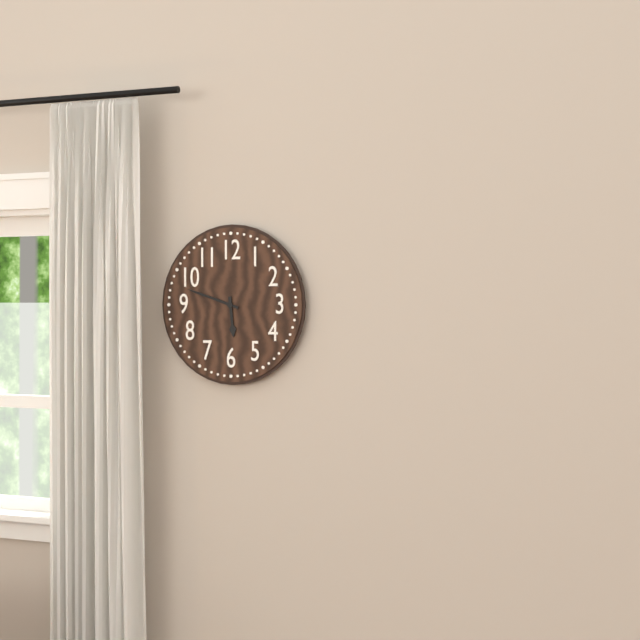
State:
5,48
